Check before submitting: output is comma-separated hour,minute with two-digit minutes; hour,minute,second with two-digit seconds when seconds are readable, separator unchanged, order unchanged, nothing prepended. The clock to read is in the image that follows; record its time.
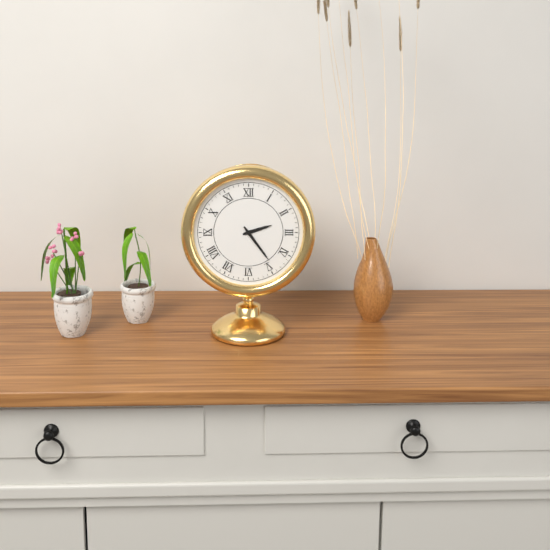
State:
2,24
